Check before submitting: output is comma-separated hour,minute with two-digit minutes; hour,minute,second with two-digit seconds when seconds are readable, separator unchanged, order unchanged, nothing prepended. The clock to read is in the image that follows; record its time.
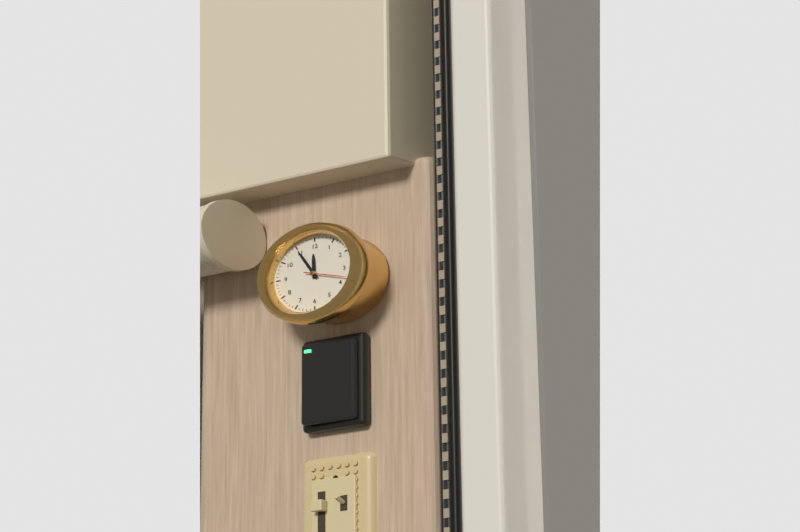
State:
11,55
